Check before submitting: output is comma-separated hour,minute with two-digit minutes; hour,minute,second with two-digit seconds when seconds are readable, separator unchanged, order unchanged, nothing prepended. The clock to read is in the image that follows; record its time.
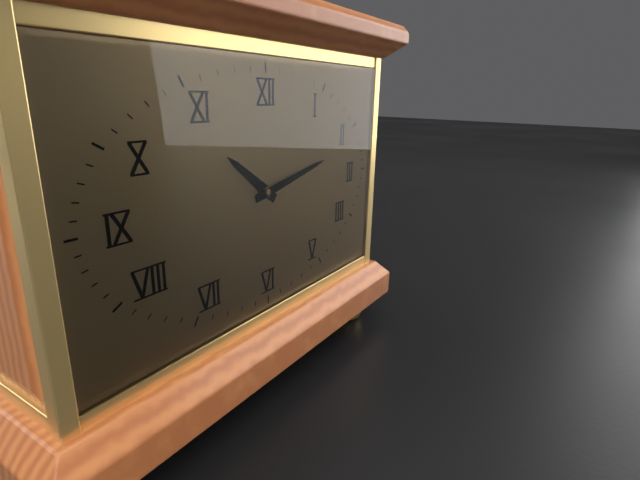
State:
10,13
